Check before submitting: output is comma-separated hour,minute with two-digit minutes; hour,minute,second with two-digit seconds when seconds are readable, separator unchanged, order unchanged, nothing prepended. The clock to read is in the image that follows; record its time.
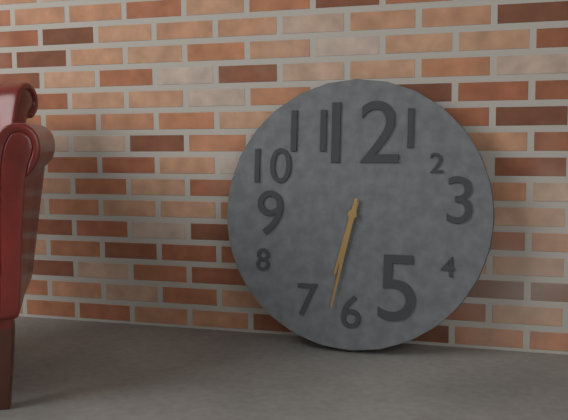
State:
6,32
